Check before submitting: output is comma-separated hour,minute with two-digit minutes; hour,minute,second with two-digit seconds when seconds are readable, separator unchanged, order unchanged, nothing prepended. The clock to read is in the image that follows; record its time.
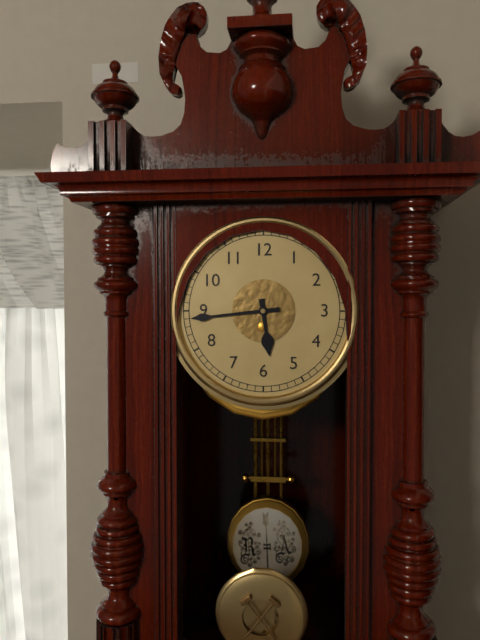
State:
5,44
